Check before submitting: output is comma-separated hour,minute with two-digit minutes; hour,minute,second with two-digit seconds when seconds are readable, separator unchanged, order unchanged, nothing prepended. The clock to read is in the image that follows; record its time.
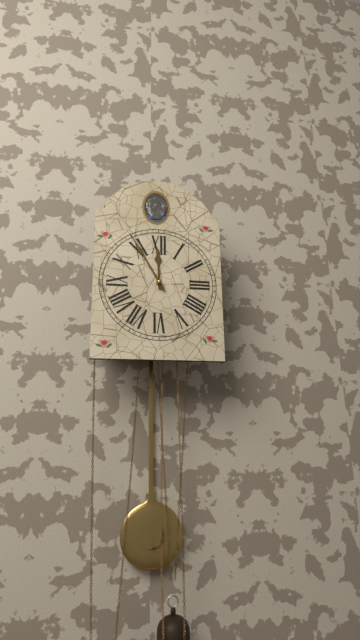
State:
11,55
